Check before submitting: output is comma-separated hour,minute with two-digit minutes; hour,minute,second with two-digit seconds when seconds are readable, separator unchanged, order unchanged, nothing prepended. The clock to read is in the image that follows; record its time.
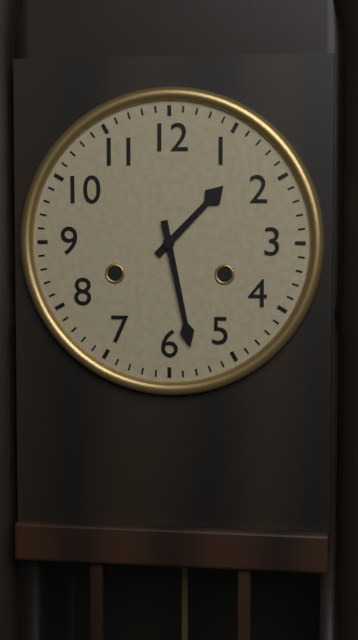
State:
1,28
